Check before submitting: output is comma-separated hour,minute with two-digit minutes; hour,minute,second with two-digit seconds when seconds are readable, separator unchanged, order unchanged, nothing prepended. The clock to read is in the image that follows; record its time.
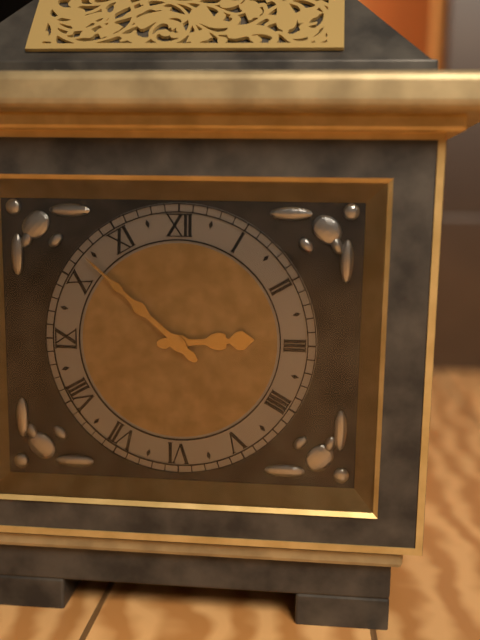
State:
2,52
